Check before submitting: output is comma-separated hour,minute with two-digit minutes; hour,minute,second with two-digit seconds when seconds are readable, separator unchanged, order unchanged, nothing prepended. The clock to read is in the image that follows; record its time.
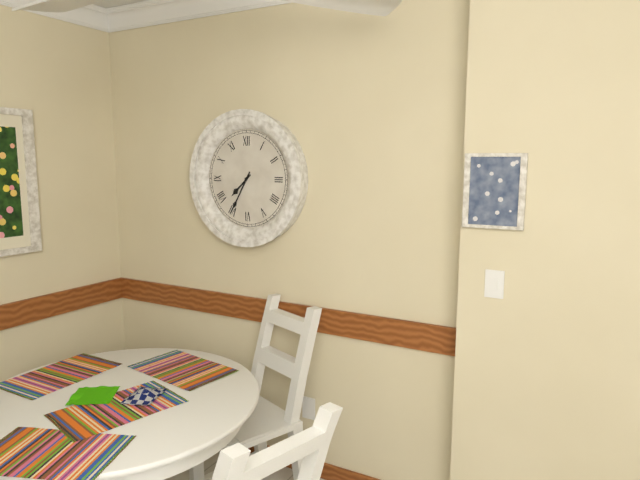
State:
7,35
